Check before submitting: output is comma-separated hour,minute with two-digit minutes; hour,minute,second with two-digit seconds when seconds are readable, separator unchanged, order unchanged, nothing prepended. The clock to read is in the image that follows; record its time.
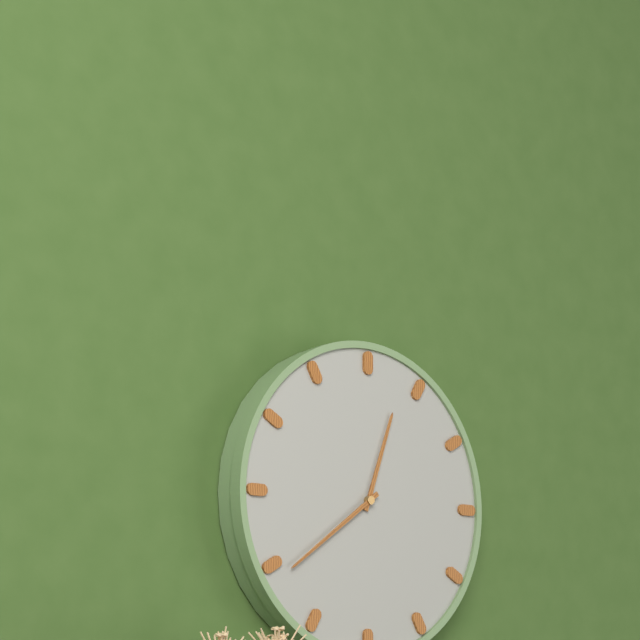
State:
12,39
